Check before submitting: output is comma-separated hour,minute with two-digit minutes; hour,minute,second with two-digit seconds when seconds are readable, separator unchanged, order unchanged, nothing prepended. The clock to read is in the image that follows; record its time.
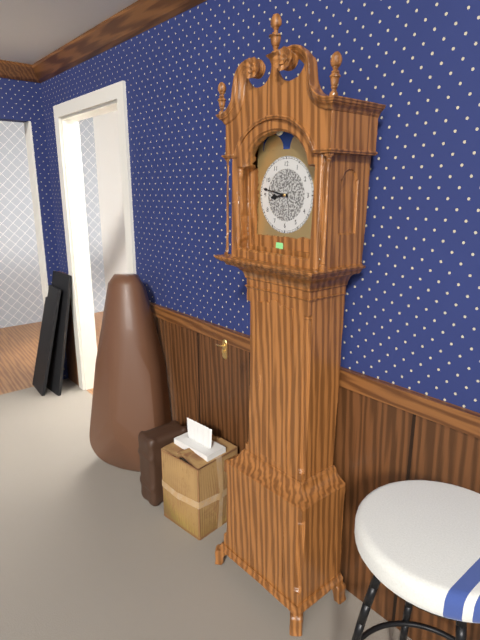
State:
8,47
